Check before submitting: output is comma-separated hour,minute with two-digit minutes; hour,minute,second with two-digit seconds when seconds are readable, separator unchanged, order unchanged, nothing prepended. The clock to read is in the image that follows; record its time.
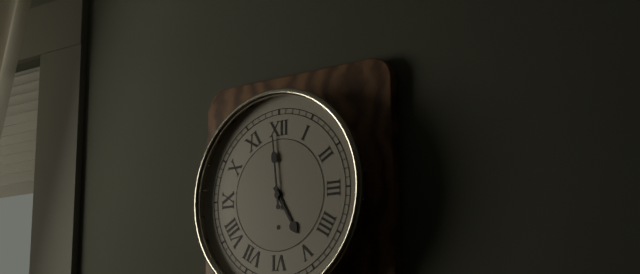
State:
4,59
